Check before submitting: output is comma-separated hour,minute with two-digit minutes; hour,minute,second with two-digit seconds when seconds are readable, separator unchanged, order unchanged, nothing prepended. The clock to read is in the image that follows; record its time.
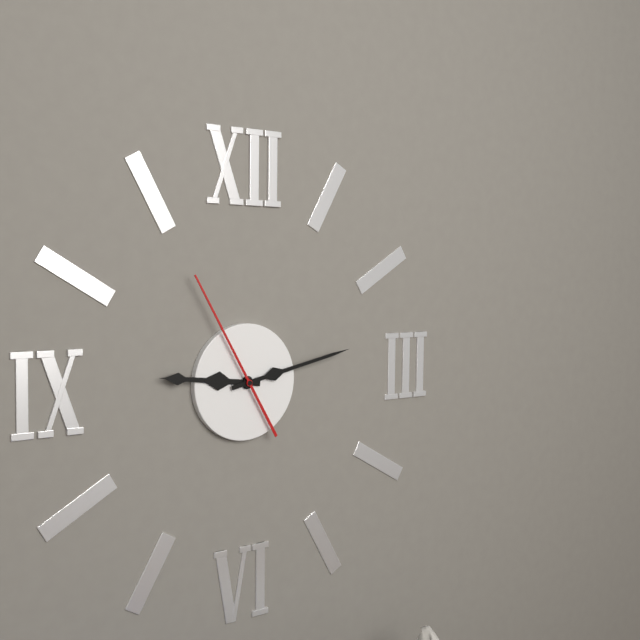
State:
9,13,55
